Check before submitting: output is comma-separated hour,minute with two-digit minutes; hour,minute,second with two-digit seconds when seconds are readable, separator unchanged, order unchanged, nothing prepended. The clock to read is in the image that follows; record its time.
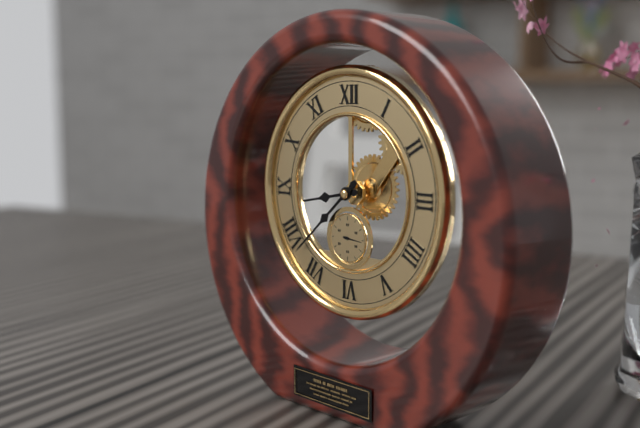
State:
8,38
